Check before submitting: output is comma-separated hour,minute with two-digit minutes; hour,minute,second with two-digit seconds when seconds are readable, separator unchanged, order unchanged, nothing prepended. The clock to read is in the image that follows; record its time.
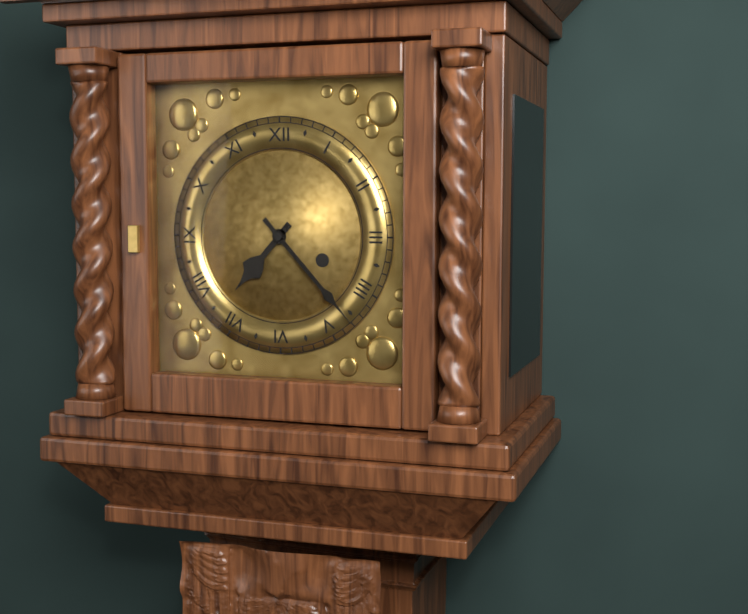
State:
7,23
